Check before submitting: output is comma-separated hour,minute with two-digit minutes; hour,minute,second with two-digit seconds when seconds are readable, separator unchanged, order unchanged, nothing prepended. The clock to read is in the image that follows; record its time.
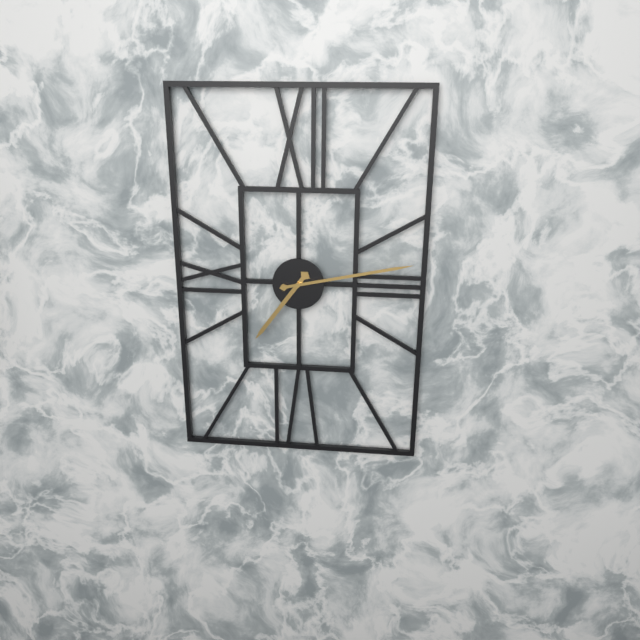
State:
7,13
